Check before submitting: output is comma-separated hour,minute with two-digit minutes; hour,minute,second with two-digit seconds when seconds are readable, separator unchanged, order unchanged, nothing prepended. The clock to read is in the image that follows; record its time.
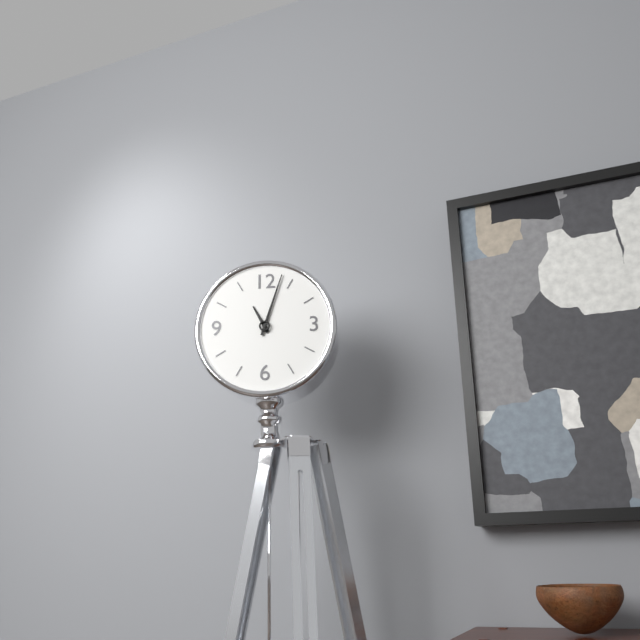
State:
11,03
